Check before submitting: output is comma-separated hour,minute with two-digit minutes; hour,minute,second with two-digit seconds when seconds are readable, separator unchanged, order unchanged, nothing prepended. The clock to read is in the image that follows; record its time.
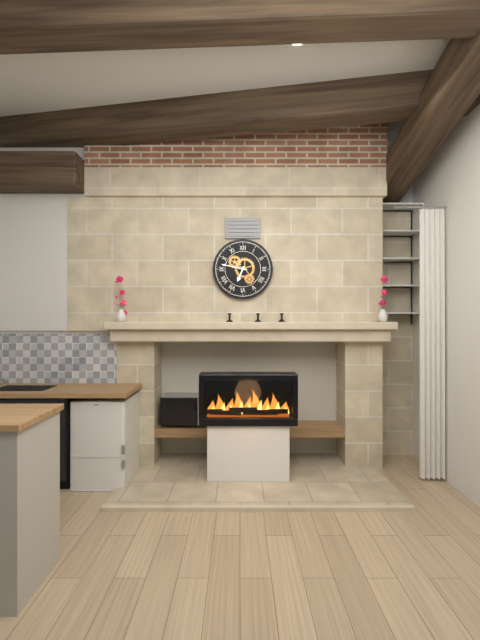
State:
6,47
